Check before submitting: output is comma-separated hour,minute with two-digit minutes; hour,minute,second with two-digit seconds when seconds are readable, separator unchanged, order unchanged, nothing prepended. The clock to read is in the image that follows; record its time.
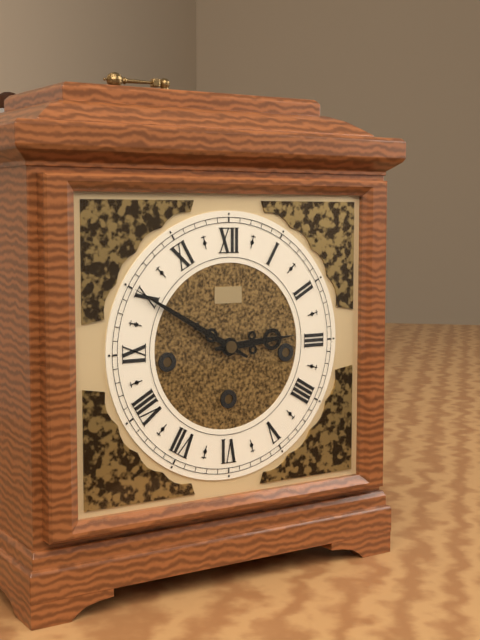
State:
2,50
